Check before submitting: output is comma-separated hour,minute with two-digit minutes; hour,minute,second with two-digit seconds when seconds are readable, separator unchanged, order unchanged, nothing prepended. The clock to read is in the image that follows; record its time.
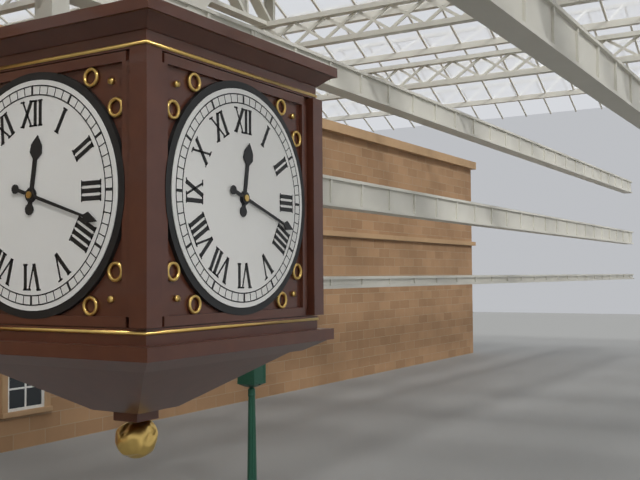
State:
12,18
